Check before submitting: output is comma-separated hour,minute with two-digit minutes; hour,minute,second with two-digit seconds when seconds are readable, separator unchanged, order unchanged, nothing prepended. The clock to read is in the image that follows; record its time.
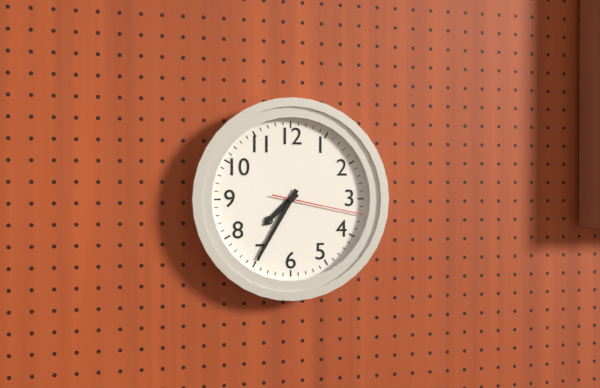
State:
7,35,17
